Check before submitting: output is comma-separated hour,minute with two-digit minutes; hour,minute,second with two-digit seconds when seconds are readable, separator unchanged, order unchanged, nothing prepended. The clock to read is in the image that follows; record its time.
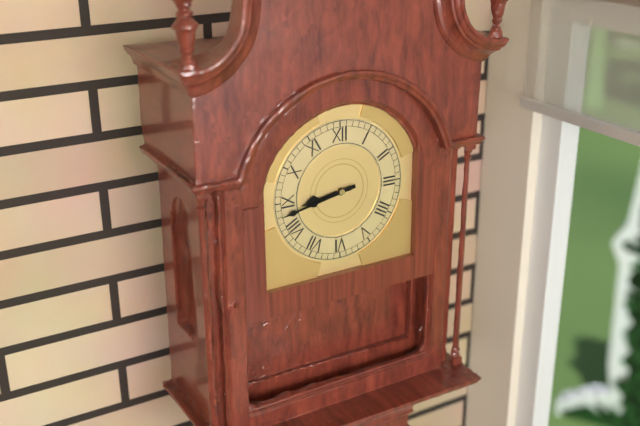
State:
8,43
